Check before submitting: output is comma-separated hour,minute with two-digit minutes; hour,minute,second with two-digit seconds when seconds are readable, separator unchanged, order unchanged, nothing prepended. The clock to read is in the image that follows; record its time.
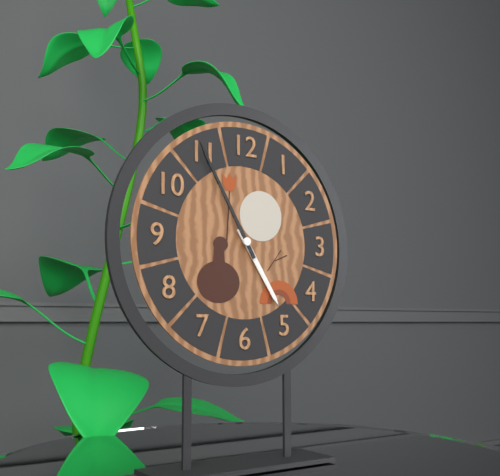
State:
4,55
